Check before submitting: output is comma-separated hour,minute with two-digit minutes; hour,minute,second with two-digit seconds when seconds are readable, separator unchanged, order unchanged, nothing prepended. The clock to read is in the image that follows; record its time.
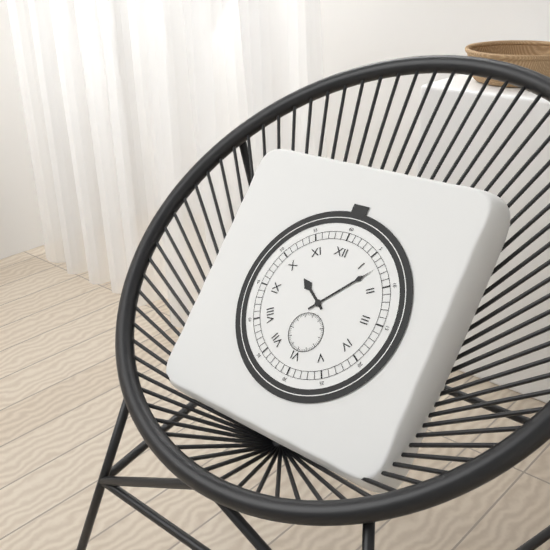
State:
10,07
